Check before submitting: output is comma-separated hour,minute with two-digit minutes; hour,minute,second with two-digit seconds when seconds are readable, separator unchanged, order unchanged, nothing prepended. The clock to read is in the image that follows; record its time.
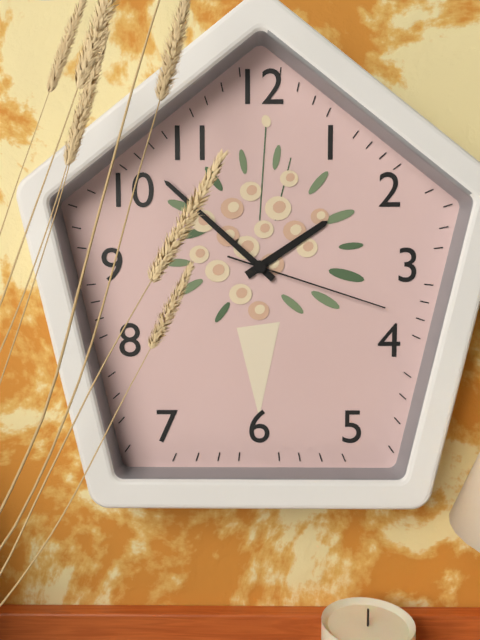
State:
1,52,18
